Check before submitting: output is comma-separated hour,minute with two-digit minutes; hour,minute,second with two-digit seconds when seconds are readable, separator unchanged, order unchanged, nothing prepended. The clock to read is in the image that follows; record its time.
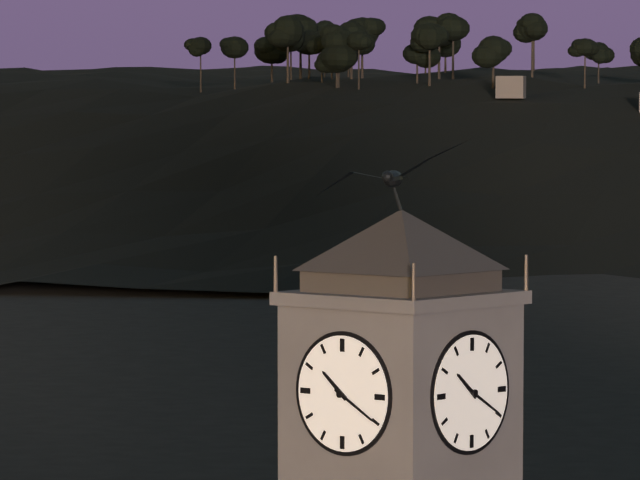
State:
10,20
